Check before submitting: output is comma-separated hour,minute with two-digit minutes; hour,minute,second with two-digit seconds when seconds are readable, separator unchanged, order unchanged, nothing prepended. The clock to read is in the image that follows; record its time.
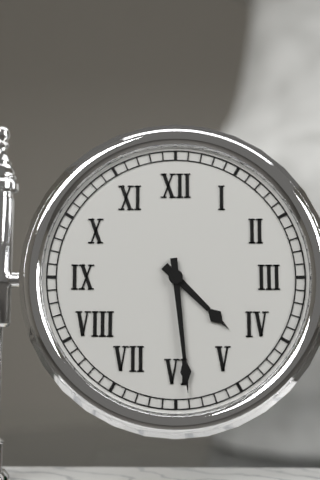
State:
4,29
